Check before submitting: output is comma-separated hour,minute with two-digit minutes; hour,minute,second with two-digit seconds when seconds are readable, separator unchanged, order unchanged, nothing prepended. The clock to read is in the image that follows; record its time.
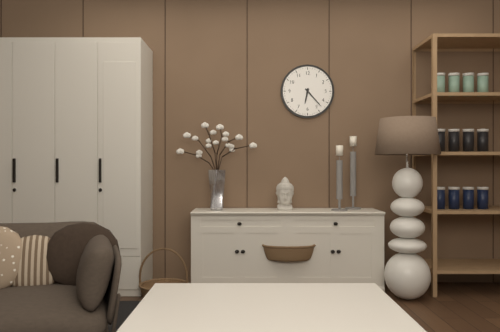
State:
6,23
